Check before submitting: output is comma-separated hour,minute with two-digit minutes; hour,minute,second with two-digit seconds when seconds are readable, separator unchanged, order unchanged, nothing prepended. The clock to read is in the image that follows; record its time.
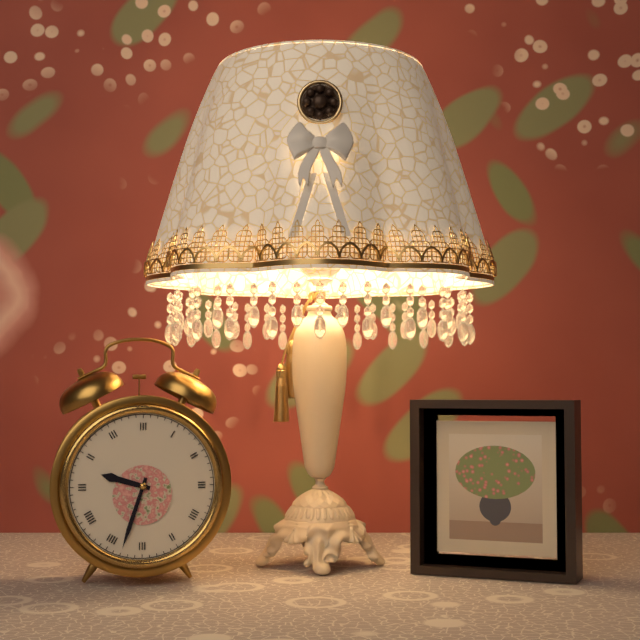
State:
9,33
